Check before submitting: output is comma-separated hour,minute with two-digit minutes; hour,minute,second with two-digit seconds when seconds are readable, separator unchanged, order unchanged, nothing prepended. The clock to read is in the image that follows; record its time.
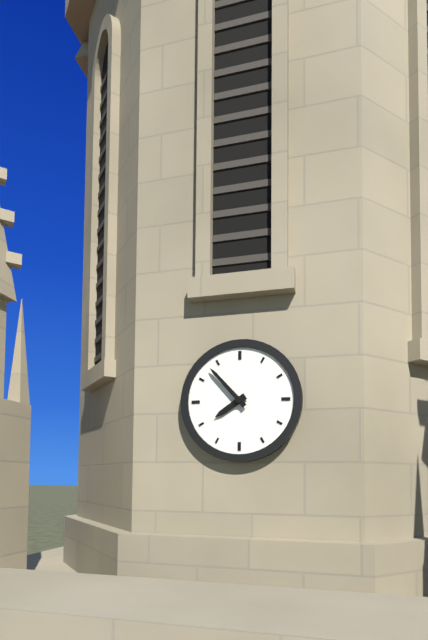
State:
7,53
